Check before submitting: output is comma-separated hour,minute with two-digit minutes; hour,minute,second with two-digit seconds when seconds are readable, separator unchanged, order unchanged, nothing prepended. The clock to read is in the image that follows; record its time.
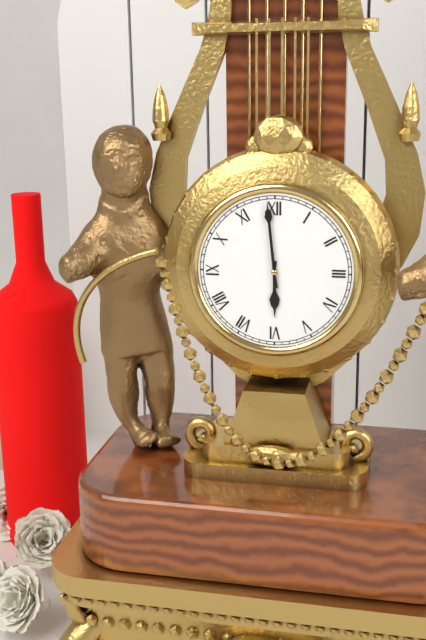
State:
5,59
